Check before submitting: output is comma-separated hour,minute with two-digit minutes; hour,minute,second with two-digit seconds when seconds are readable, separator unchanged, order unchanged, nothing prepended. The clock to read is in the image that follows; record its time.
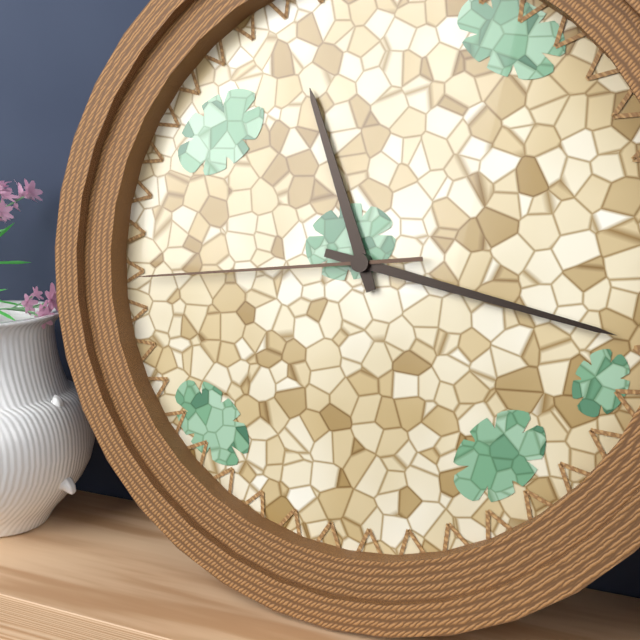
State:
11,17,44
